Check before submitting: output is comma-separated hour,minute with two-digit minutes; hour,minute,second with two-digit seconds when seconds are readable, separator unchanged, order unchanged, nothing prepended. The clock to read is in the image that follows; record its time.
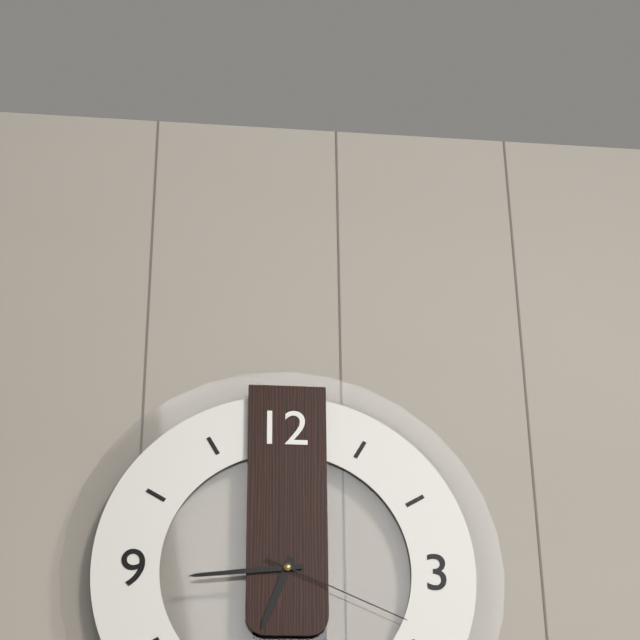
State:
6,44,19
